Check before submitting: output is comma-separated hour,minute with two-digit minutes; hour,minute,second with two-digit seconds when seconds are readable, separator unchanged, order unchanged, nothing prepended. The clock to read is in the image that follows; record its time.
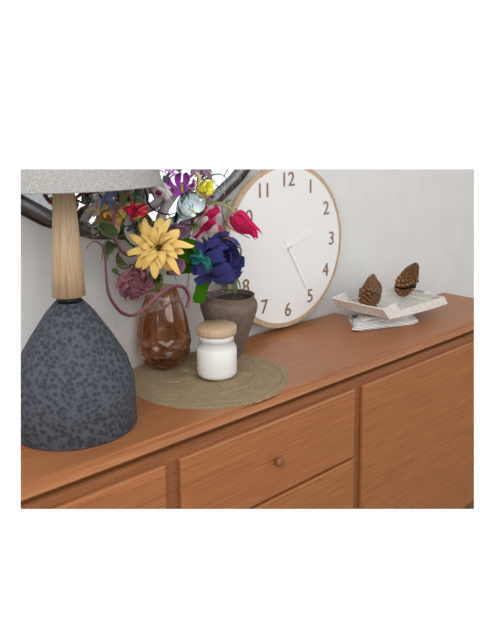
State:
2,25
